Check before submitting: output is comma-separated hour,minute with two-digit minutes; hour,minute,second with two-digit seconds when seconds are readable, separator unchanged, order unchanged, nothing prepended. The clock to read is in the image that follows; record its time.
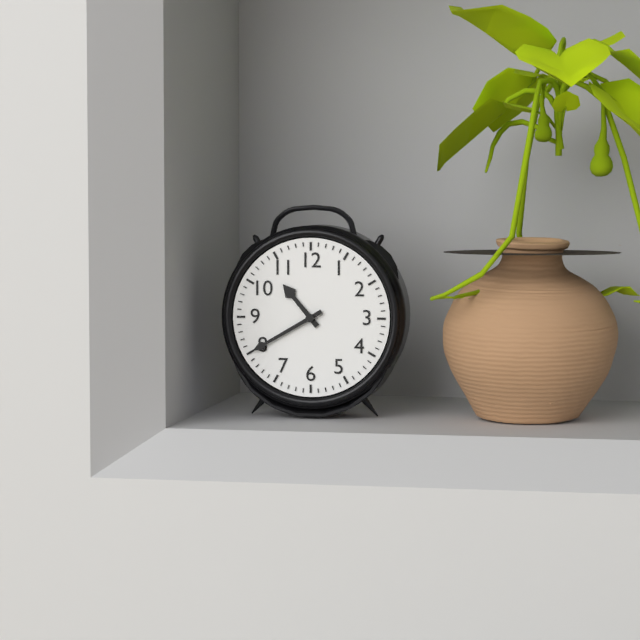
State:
10,40
